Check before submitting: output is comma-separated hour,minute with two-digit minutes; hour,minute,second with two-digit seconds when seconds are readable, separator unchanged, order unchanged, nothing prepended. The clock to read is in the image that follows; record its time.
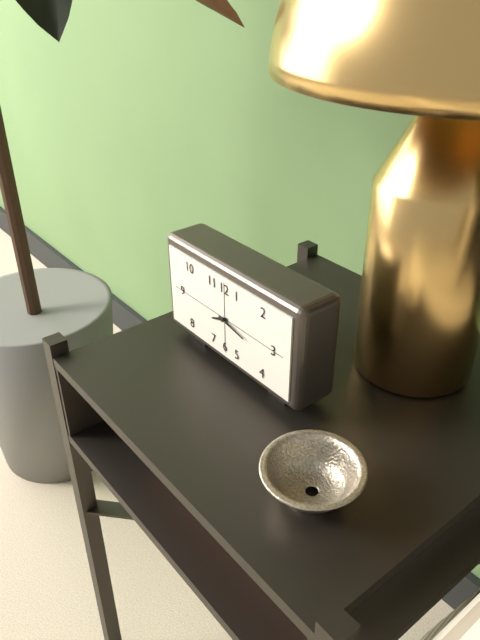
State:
8,17
